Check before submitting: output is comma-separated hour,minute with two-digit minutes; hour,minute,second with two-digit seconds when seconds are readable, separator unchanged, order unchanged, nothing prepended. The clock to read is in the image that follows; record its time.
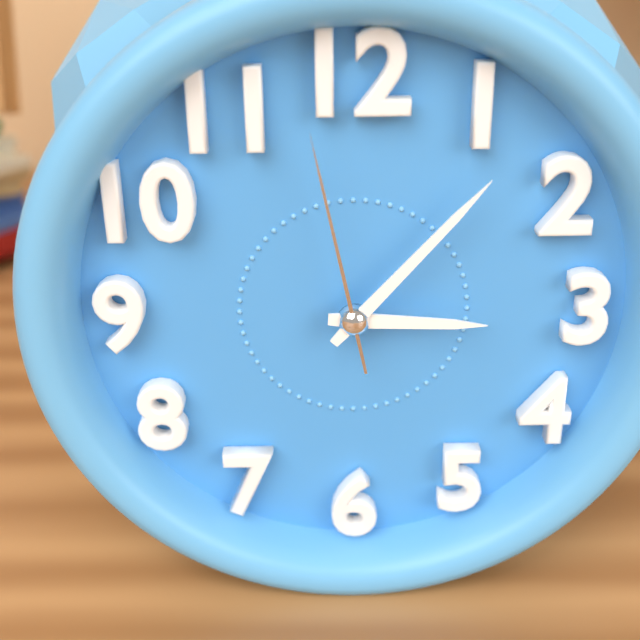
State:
3,07,58
